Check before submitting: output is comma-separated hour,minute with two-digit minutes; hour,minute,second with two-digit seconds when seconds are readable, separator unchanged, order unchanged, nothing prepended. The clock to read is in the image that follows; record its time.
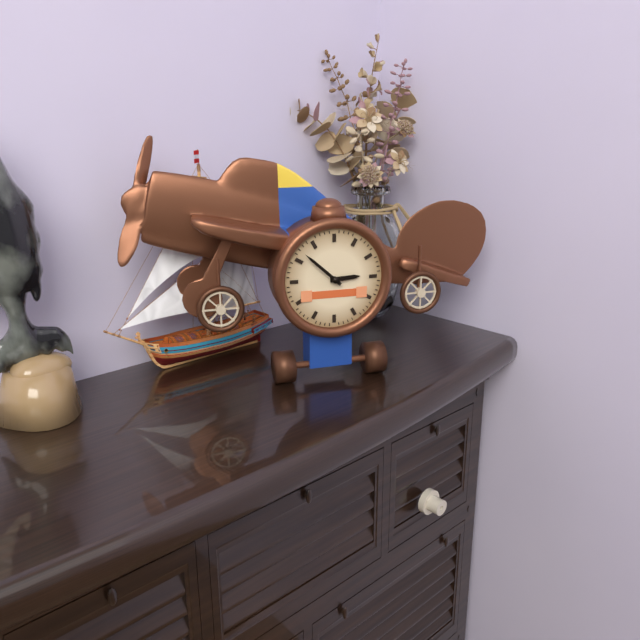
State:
2,52
